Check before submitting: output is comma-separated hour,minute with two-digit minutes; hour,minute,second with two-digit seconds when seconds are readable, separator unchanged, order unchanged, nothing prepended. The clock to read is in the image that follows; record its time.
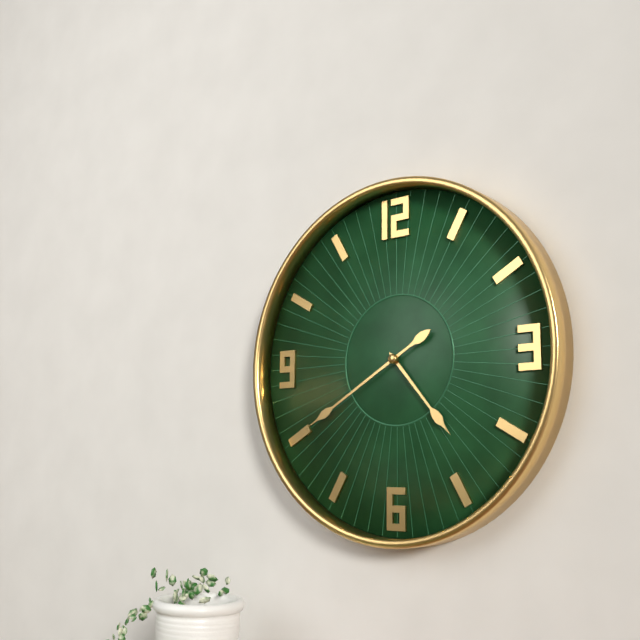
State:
4,40
